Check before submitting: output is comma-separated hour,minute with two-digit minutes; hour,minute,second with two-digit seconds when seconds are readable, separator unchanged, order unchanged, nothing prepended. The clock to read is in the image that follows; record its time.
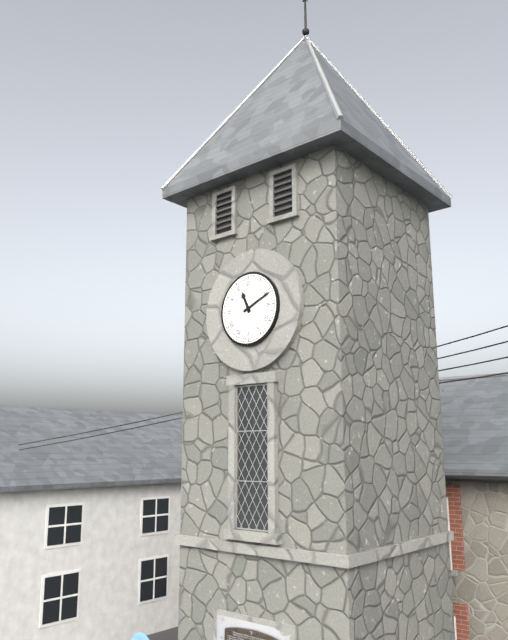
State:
11,11
